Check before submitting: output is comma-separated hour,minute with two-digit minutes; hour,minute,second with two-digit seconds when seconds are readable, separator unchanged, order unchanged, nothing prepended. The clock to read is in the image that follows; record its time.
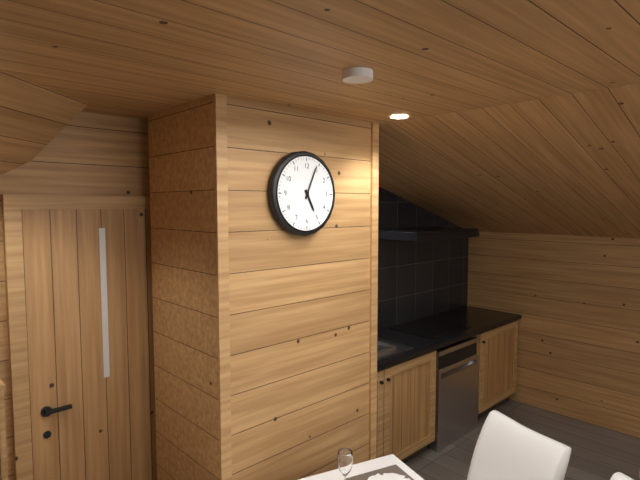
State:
5,04
